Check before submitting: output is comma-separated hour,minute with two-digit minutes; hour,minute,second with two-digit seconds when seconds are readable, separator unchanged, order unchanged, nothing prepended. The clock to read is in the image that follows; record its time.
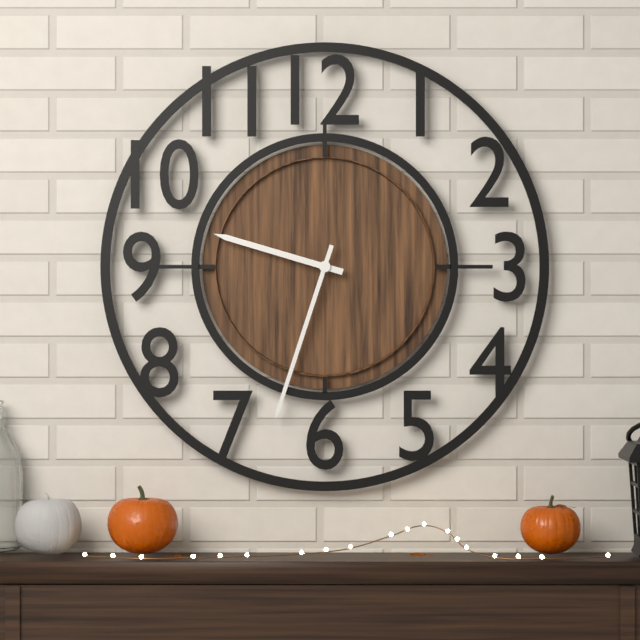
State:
9,33
